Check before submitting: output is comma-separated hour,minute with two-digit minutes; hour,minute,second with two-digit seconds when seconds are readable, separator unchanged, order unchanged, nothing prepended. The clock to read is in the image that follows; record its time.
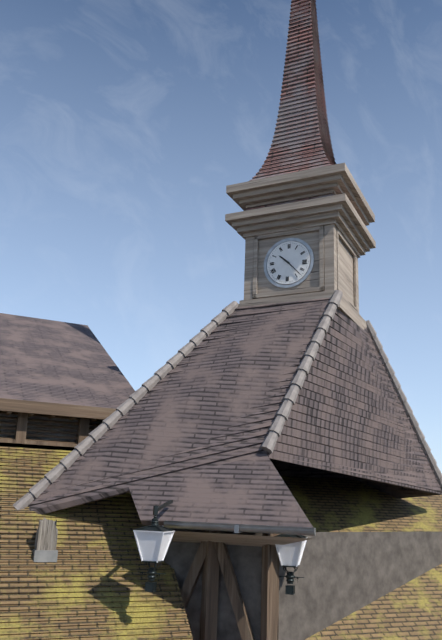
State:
10,23
